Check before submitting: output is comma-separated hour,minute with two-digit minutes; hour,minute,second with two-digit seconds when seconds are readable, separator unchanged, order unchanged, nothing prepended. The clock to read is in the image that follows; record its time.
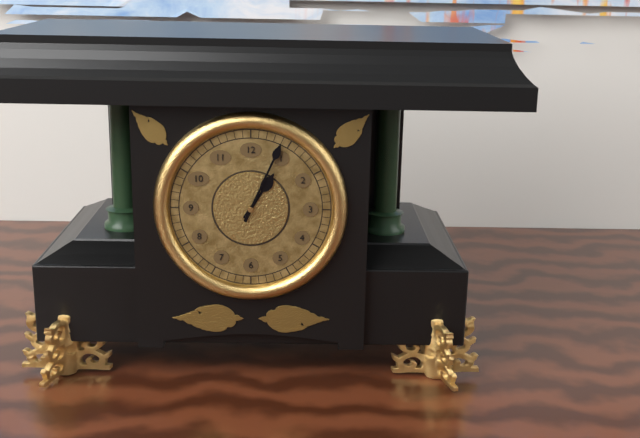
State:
1,04
